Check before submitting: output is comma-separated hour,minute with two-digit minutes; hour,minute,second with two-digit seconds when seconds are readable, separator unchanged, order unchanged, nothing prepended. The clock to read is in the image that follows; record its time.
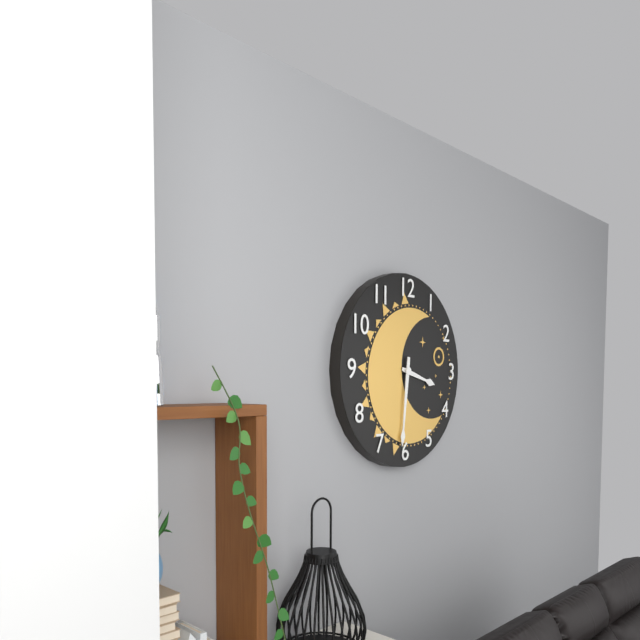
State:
3,31
